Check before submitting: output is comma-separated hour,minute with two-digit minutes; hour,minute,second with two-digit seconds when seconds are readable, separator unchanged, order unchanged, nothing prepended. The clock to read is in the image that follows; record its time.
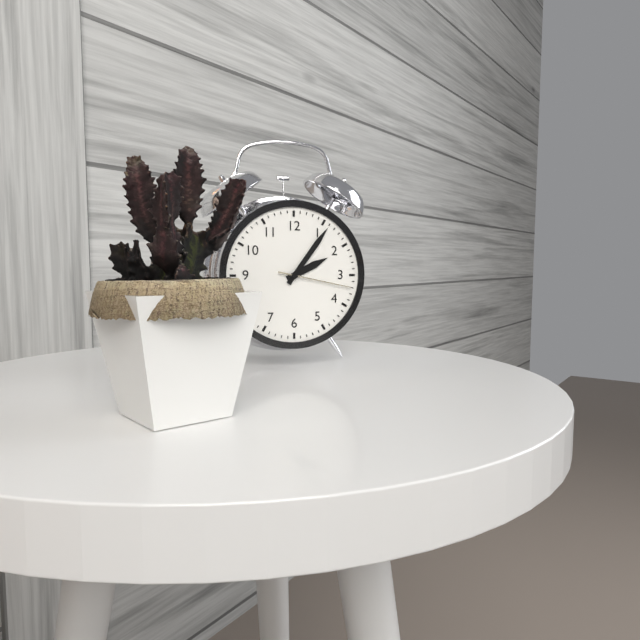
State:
2,06,17
